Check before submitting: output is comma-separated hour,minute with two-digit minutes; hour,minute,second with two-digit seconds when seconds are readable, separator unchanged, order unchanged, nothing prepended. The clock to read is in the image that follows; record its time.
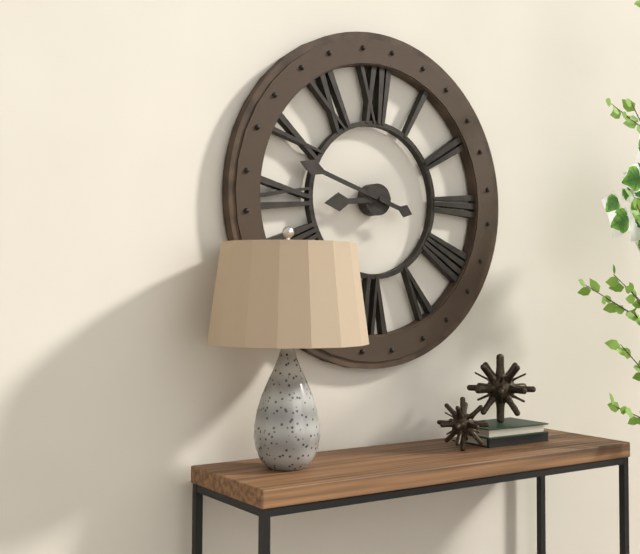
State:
8,48
